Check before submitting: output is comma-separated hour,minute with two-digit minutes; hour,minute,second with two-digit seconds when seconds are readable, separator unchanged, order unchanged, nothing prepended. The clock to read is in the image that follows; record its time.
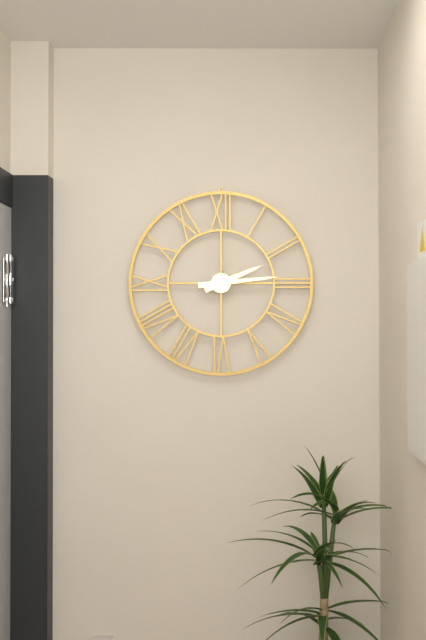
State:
2,14
